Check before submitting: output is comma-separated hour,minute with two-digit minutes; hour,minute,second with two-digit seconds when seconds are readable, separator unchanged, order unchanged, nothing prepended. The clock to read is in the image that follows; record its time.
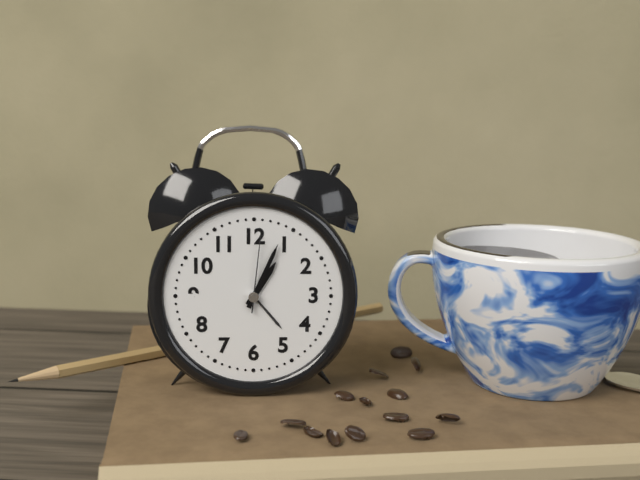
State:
1,04,01
